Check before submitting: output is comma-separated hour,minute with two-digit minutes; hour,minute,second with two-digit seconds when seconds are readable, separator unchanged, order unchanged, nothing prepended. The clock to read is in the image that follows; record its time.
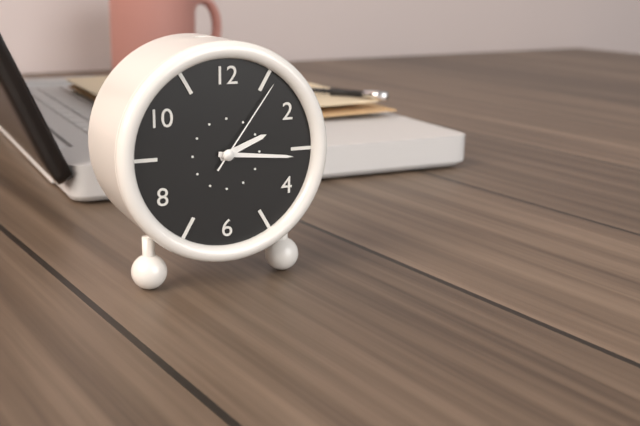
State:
2,16,06
